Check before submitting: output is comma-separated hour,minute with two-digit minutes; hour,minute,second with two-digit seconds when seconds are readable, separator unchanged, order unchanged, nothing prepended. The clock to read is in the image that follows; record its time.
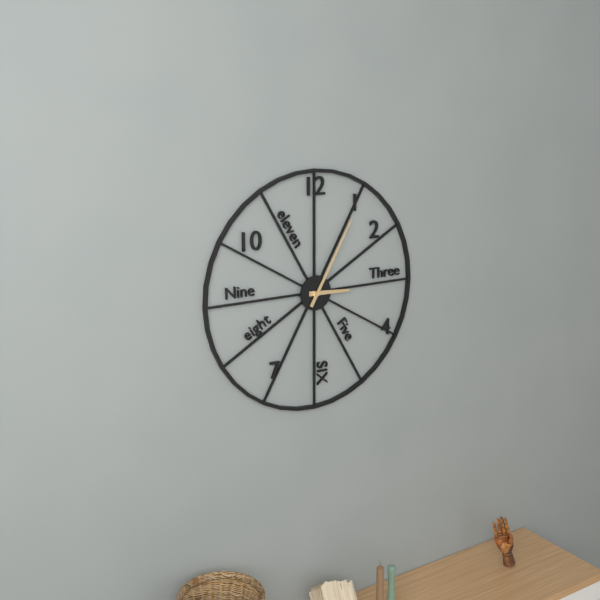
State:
3,05
